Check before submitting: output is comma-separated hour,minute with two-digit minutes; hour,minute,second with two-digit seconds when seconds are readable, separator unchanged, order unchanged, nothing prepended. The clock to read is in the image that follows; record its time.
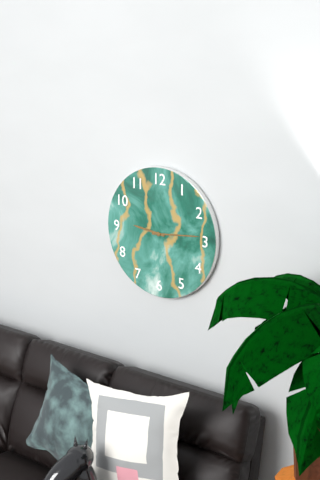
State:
9,14
